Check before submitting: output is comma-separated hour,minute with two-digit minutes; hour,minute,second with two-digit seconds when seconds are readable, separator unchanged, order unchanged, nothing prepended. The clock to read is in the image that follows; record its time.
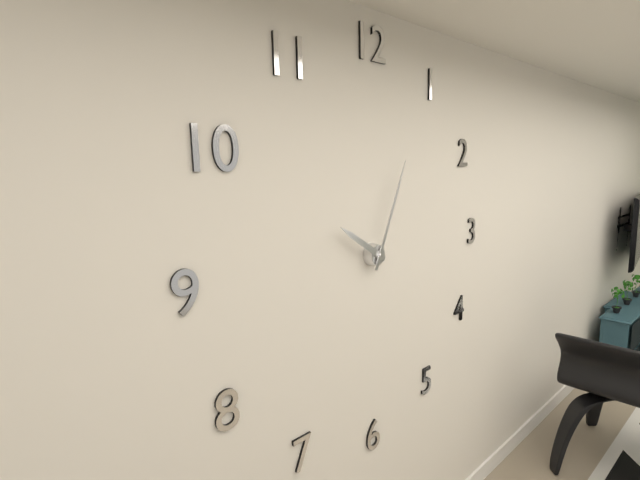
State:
10,04
